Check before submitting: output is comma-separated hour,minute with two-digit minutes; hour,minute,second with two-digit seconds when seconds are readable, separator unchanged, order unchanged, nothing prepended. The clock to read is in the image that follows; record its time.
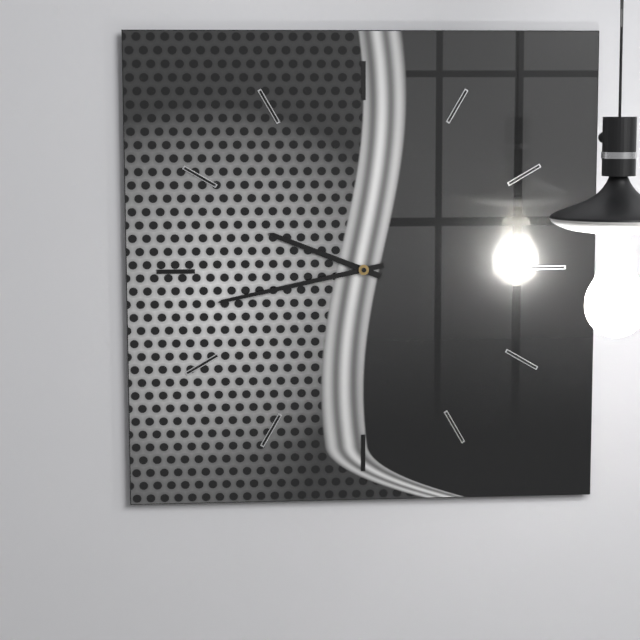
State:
9,43
